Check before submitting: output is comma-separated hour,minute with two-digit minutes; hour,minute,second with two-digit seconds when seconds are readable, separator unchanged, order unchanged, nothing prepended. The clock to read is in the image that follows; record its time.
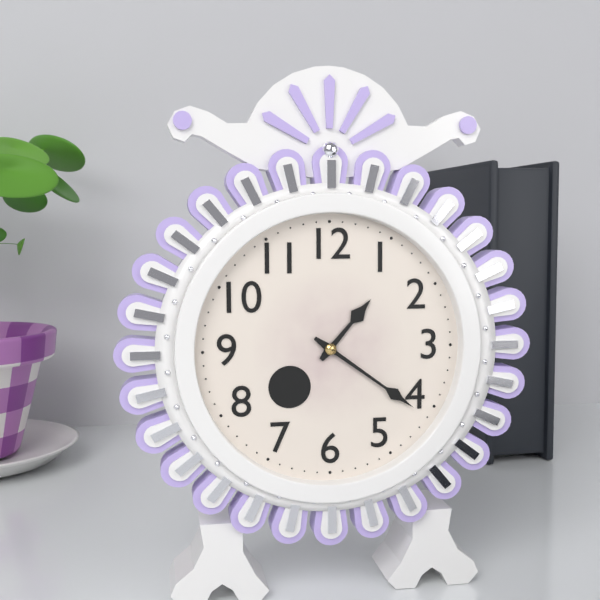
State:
1,21
